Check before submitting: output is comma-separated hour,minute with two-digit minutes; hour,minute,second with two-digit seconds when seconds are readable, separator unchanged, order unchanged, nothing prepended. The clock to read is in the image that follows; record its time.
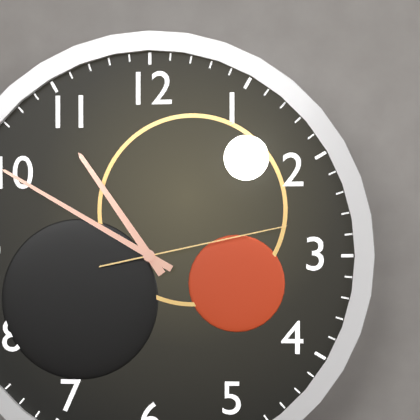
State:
10,50,13
